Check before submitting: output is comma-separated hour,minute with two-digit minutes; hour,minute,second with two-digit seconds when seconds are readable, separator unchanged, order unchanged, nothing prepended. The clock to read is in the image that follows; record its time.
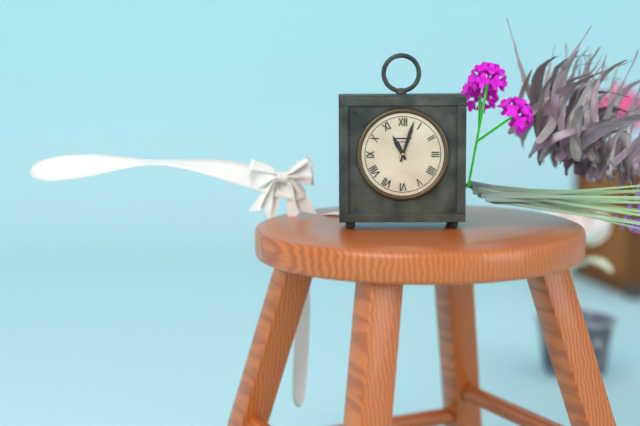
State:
11,03
